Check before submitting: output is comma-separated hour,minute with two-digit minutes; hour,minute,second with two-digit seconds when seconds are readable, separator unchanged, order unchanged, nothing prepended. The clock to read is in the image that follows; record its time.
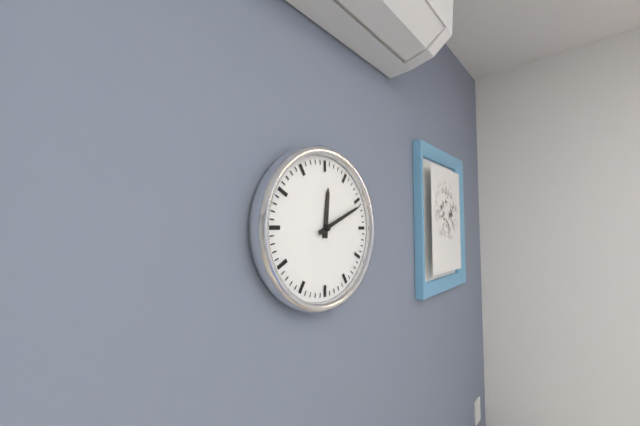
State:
12,11
